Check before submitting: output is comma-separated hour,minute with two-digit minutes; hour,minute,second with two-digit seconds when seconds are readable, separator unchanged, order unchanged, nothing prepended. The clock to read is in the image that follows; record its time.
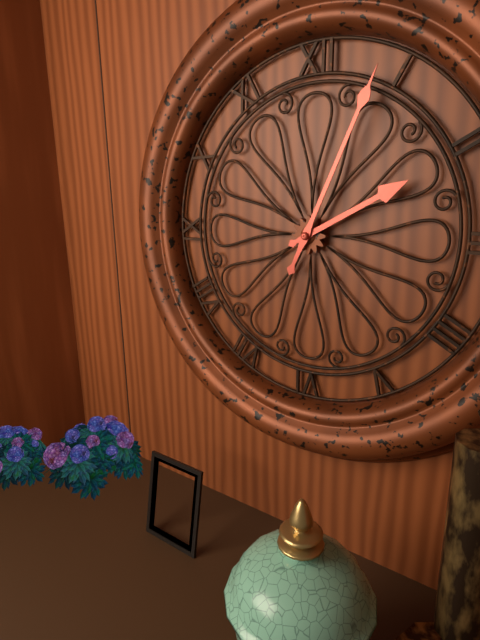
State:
2,04
